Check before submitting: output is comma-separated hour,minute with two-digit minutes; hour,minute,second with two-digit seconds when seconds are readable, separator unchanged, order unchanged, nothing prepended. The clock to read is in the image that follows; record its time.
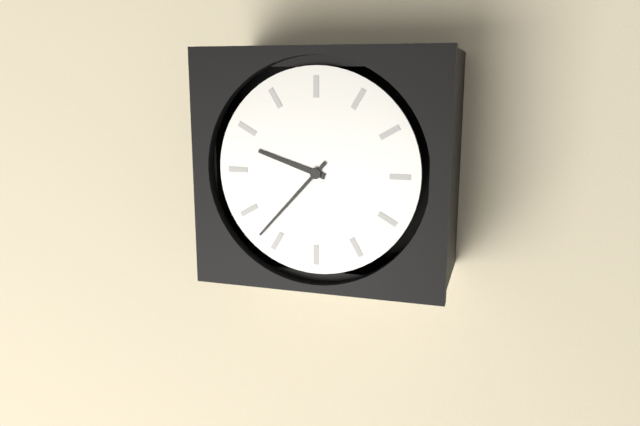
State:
9,37
